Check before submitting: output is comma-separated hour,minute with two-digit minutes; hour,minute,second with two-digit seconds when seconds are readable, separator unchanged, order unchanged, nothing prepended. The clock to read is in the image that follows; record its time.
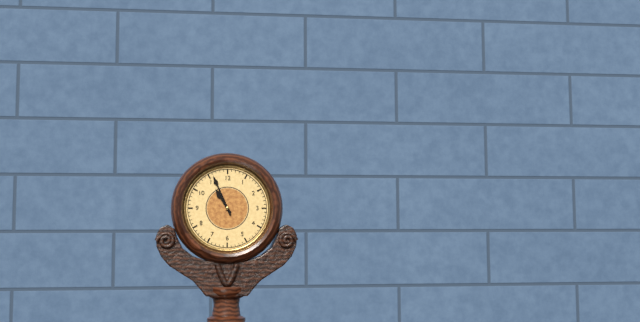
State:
10,56
